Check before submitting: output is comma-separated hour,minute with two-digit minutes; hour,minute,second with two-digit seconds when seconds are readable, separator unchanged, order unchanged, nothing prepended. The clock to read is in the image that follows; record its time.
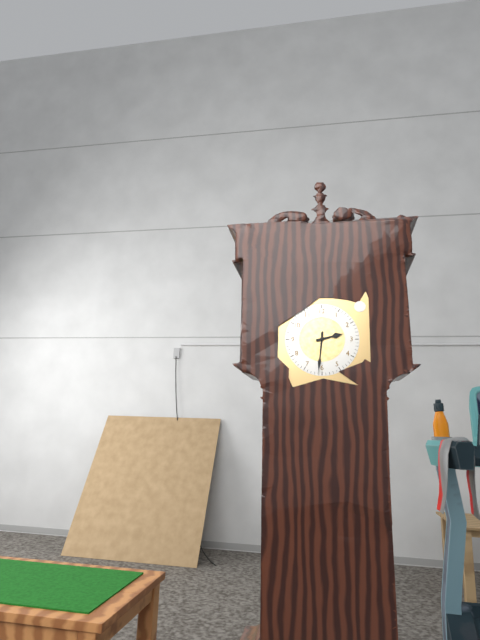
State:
2,31
